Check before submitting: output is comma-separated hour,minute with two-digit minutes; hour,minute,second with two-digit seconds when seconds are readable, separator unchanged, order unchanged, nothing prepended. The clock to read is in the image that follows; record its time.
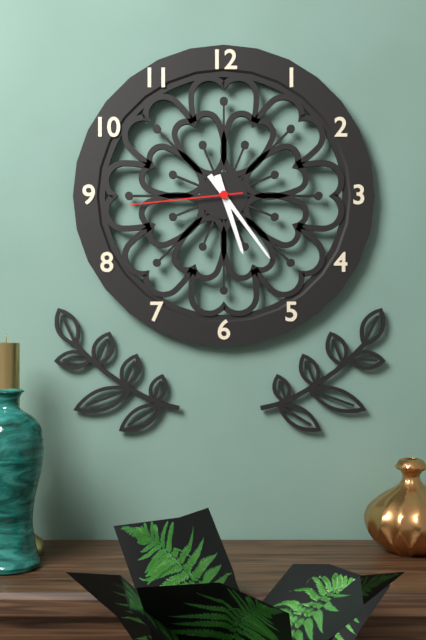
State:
5,24,44
